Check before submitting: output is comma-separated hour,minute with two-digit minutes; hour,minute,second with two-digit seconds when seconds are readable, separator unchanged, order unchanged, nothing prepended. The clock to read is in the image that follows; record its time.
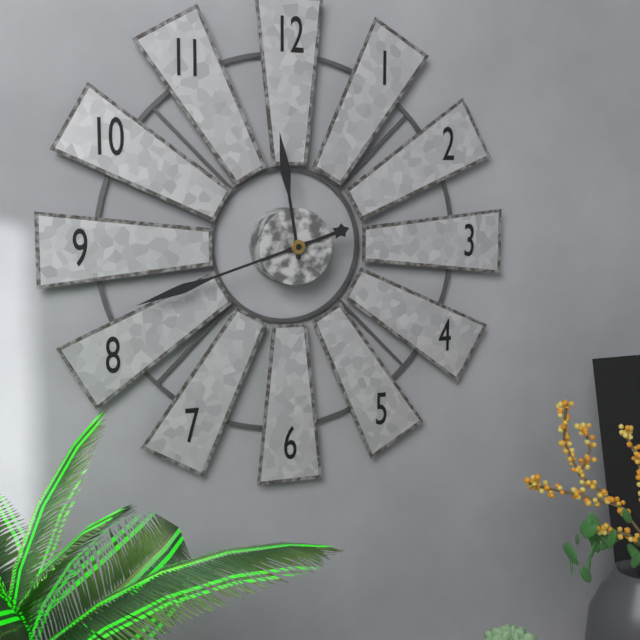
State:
11,42
